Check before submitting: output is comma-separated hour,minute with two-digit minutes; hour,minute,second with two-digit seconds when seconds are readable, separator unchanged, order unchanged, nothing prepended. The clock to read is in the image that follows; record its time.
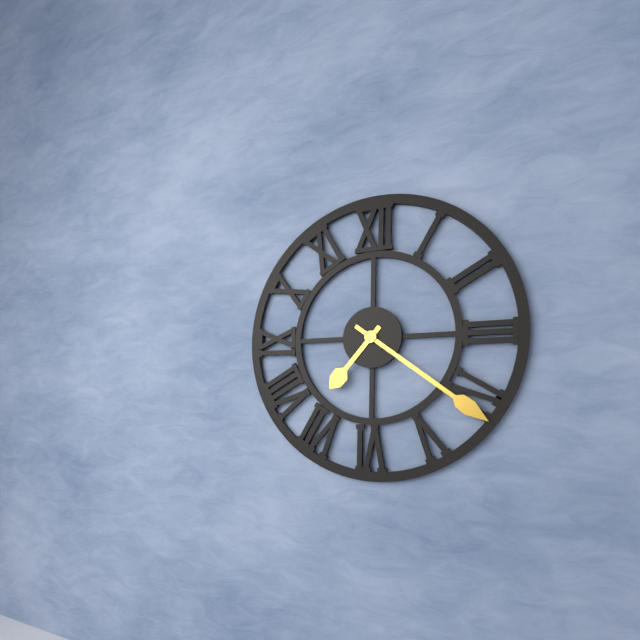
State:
7,21
